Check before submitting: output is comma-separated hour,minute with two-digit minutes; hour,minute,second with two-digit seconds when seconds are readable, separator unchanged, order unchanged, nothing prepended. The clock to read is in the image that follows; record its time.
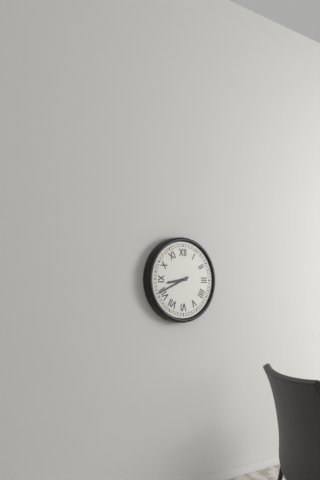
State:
8,41
